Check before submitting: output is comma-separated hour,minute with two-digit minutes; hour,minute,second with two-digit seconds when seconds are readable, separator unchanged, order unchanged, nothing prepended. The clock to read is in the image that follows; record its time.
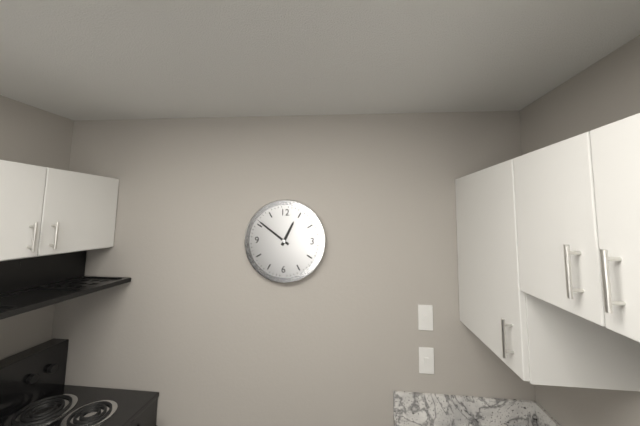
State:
12,51
